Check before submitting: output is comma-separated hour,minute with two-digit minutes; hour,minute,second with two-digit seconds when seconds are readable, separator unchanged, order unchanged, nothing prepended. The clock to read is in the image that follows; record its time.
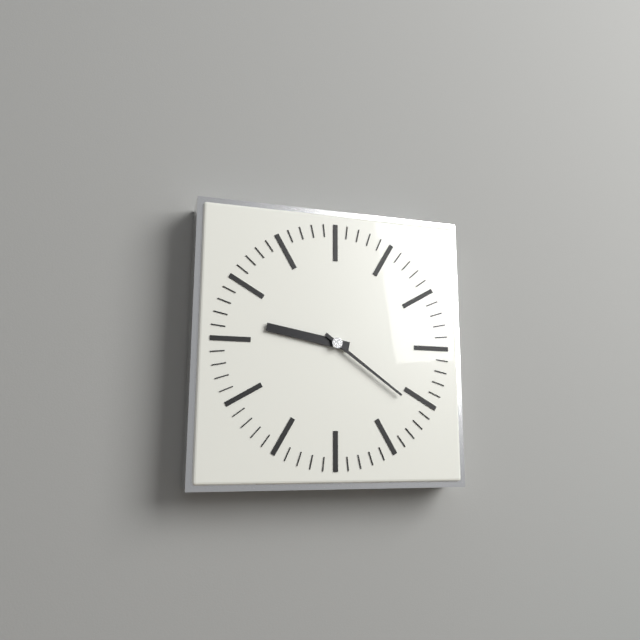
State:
9,21
